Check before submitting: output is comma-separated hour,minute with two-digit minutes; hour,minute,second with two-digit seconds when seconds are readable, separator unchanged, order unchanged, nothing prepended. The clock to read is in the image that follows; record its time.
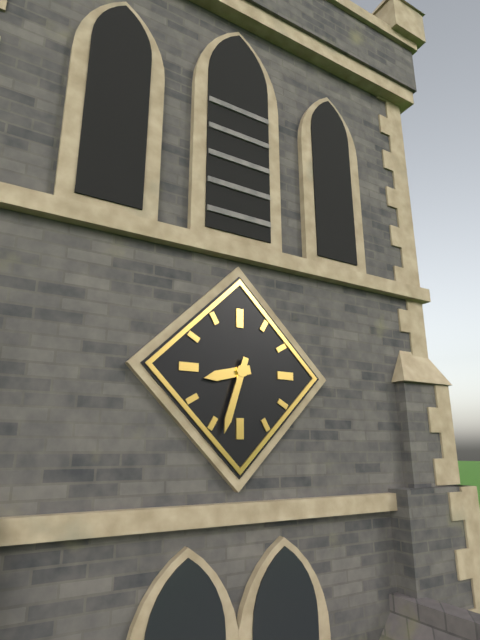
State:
8,33
